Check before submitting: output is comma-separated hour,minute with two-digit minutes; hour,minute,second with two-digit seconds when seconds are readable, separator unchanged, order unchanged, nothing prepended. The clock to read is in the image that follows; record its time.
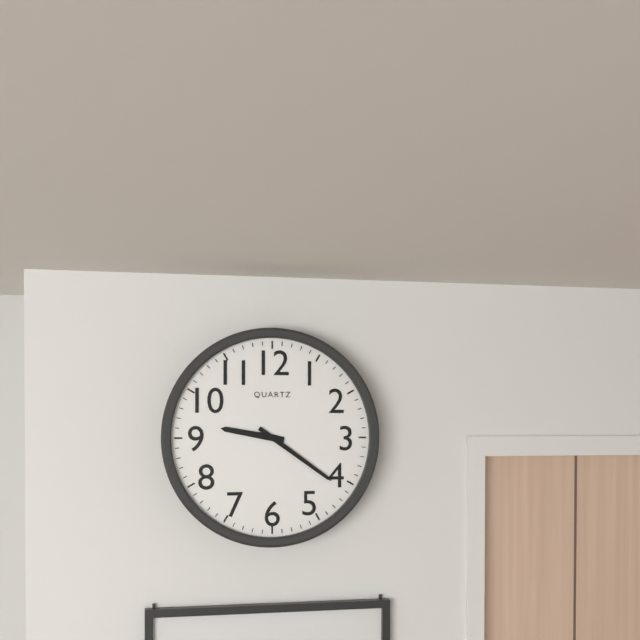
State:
9,21
